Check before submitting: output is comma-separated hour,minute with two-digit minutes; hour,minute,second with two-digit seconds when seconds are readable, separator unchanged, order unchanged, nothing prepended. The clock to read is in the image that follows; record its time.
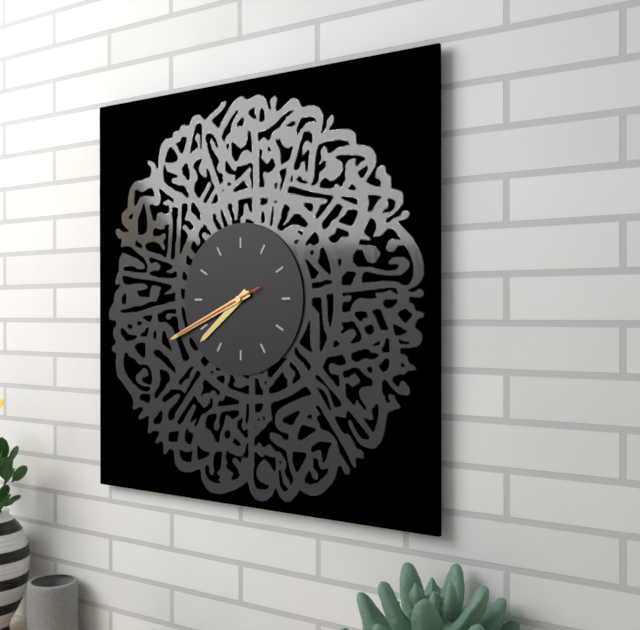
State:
7,41,41
